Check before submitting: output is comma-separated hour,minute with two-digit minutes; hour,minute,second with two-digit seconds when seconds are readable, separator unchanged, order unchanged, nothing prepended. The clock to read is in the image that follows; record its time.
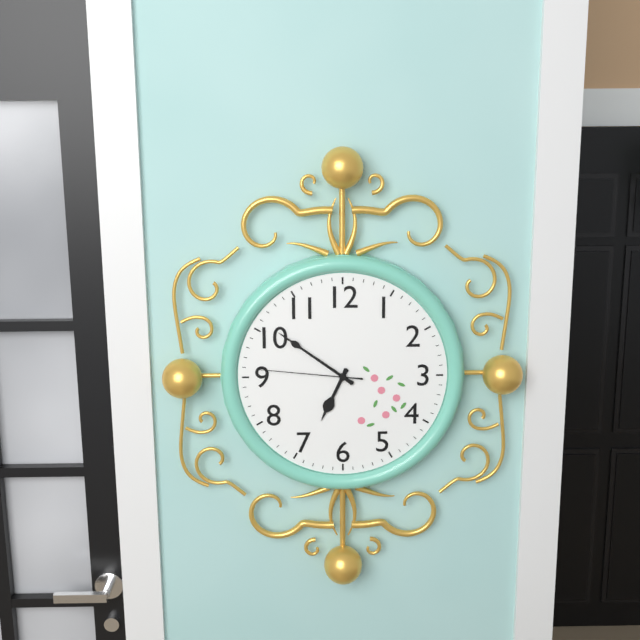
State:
6,51,46
